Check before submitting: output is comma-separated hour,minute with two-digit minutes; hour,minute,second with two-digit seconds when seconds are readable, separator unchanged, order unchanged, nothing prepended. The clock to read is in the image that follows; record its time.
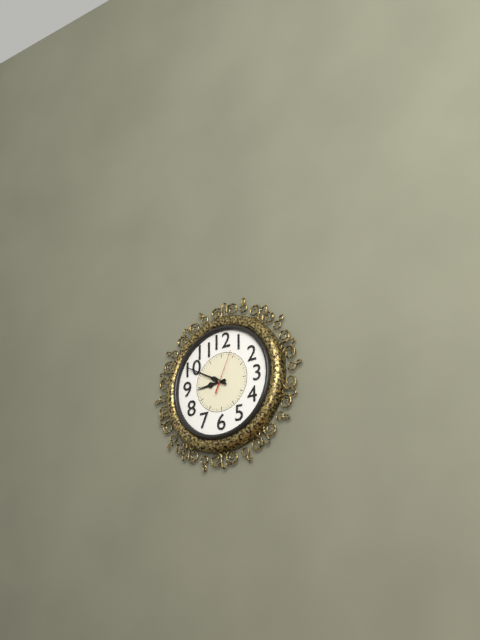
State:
8,50
